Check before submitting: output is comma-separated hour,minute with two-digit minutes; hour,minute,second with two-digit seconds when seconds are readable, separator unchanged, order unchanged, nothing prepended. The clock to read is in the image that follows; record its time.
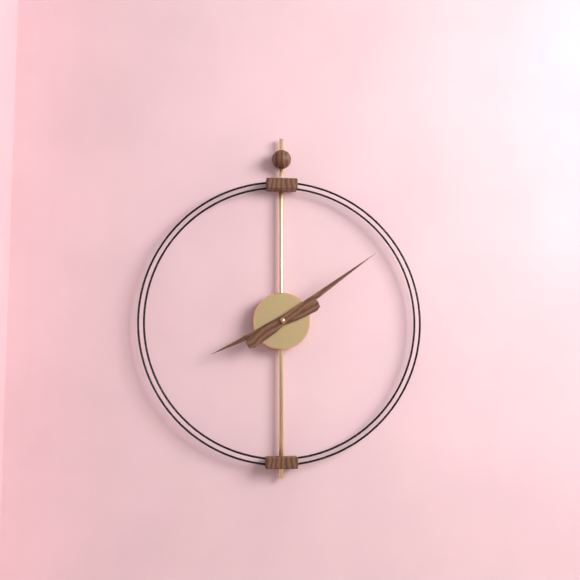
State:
8,09
